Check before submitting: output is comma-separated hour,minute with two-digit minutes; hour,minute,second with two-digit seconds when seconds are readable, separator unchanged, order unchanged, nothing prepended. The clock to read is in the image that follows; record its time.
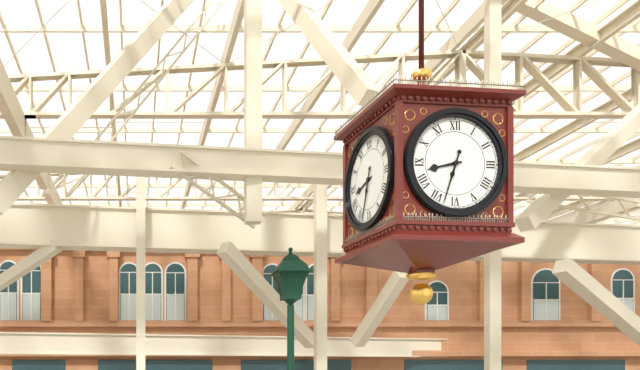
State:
8,33
